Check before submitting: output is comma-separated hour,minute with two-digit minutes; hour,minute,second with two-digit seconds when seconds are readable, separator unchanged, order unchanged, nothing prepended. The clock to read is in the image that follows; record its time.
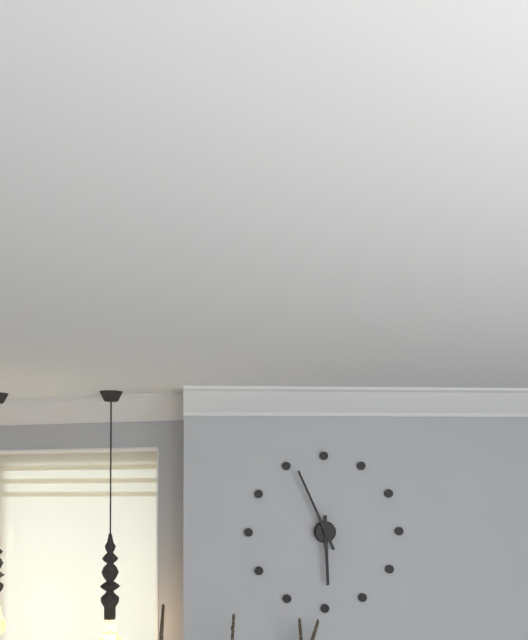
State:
5,56
